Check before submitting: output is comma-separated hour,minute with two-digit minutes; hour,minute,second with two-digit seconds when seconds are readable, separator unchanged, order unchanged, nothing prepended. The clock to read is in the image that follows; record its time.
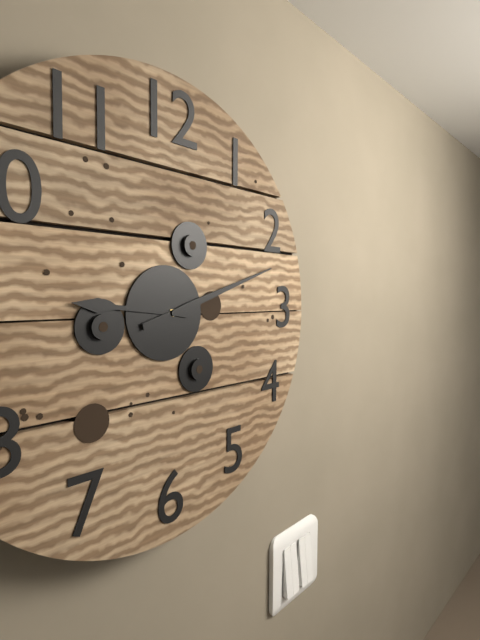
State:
9,12
